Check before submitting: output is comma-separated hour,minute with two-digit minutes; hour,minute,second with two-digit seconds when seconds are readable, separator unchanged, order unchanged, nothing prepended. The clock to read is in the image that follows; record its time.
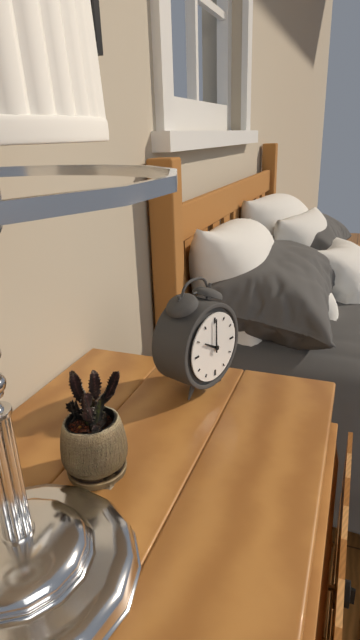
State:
10,00
